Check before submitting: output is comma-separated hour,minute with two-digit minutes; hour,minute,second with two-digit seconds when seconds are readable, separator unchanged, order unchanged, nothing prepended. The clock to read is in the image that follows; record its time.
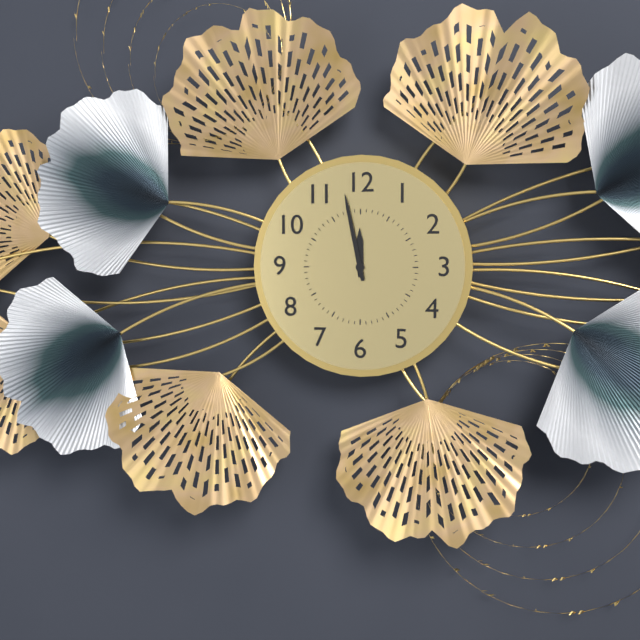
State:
11,58
